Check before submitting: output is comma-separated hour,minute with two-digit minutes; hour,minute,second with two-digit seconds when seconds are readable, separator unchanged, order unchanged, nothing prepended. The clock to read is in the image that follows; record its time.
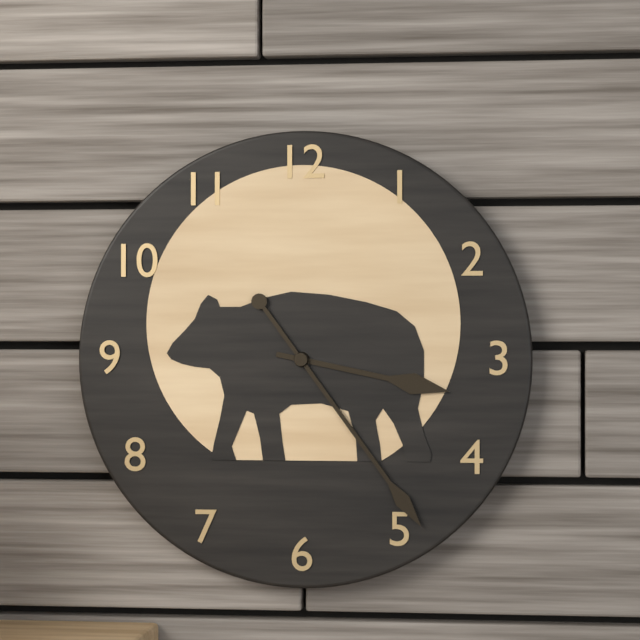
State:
3,24
